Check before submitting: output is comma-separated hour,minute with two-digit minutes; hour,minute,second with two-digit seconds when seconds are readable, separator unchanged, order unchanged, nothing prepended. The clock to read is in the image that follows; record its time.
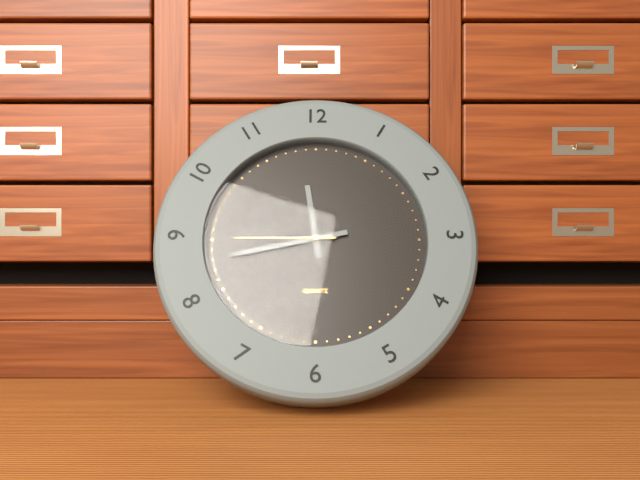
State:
11,43,45
